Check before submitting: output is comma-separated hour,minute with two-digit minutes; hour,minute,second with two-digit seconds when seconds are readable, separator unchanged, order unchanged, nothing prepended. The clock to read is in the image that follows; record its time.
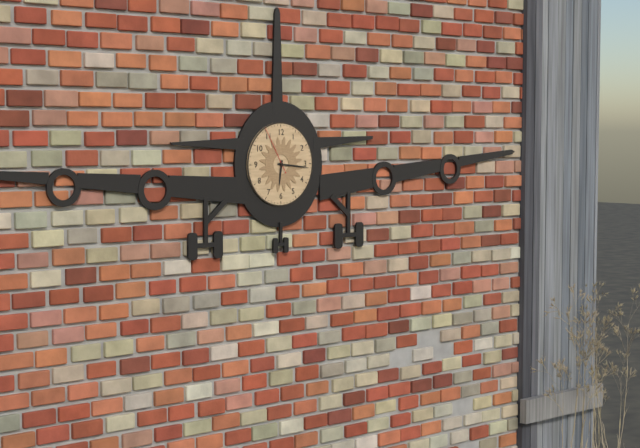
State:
6,16,55
